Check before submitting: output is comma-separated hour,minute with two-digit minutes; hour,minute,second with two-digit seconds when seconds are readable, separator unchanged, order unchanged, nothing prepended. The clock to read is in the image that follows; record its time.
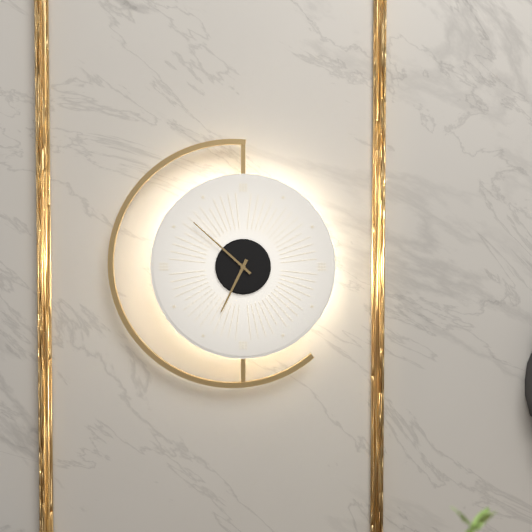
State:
6,52
